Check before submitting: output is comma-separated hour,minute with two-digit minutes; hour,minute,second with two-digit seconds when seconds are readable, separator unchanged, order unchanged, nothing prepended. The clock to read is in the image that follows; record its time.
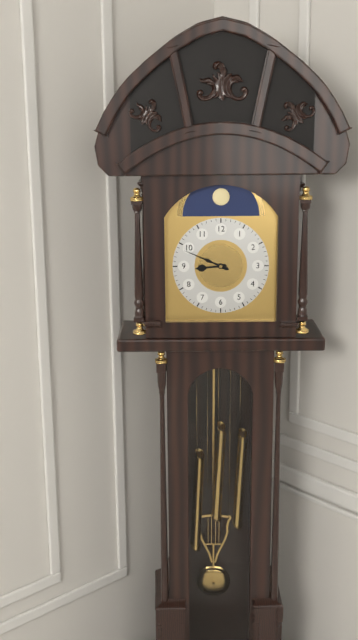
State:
8,49
